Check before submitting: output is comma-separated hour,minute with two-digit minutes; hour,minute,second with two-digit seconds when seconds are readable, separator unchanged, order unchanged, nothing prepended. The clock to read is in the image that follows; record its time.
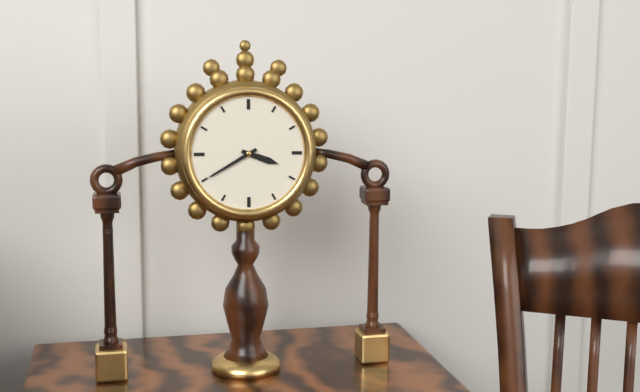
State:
3,40
